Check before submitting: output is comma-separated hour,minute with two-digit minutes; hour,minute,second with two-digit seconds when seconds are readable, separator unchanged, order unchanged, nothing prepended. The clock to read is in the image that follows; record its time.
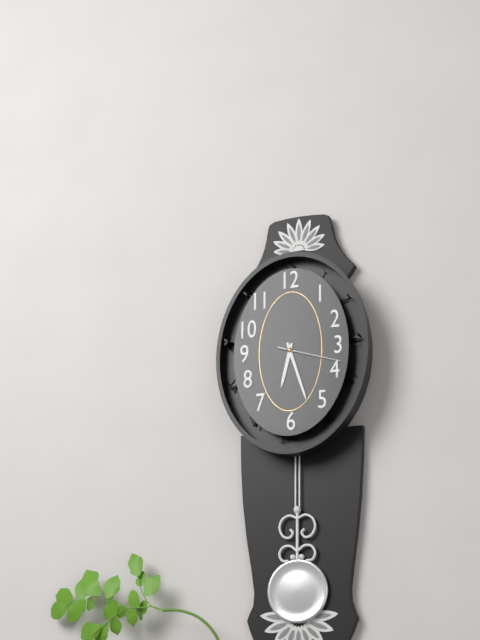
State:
6,27,18
